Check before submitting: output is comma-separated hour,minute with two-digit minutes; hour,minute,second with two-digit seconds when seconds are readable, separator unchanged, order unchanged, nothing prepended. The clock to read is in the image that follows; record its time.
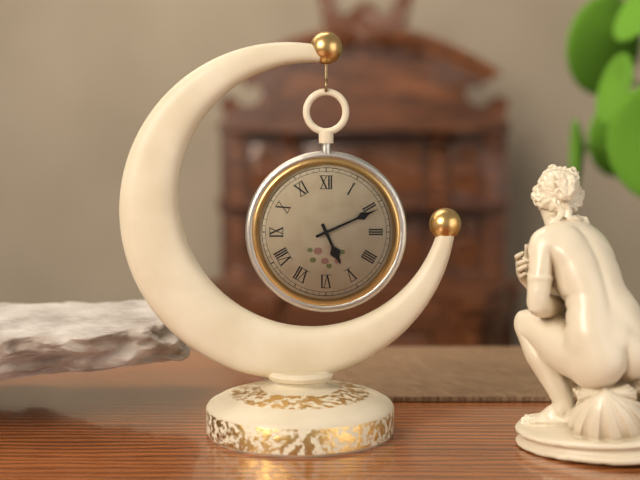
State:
5,11
